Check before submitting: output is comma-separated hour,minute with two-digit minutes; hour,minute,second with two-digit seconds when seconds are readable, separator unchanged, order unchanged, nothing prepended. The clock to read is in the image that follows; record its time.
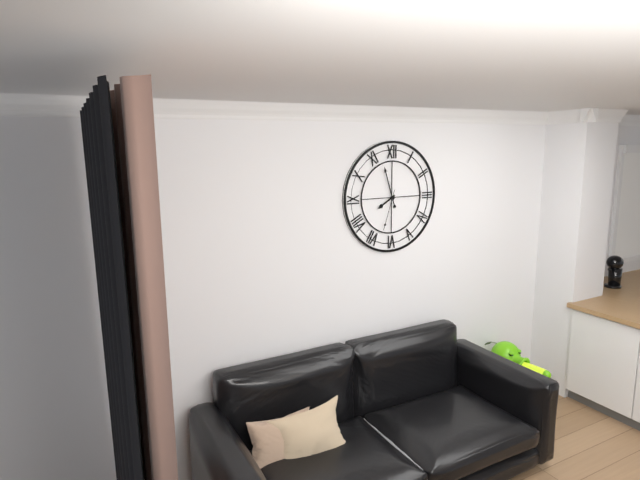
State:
7,57
